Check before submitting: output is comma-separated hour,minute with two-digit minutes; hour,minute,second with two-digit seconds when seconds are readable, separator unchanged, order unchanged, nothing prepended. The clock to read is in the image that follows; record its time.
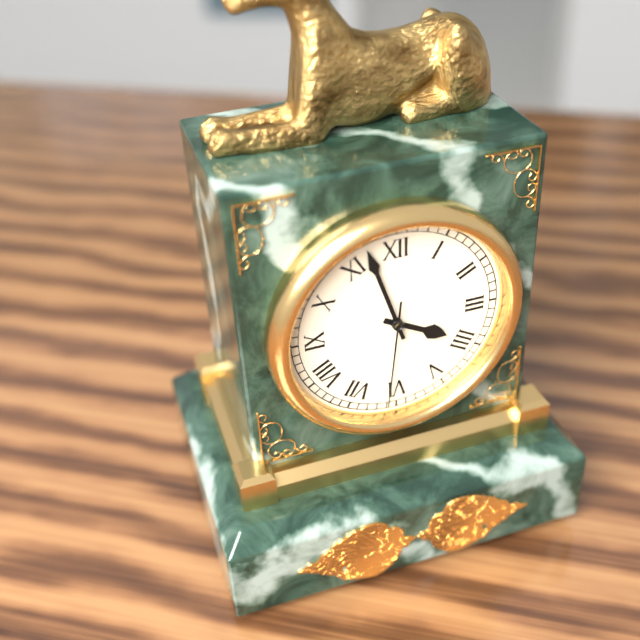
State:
3,57,31
